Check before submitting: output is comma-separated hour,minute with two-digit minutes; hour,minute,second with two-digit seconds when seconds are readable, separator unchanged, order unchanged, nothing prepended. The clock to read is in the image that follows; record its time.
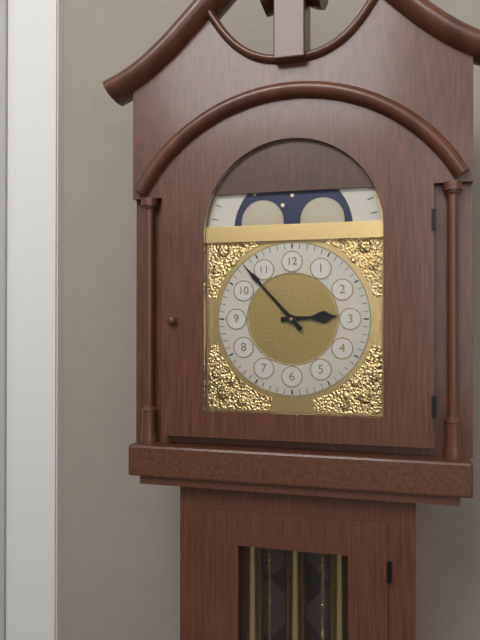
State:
2,53
